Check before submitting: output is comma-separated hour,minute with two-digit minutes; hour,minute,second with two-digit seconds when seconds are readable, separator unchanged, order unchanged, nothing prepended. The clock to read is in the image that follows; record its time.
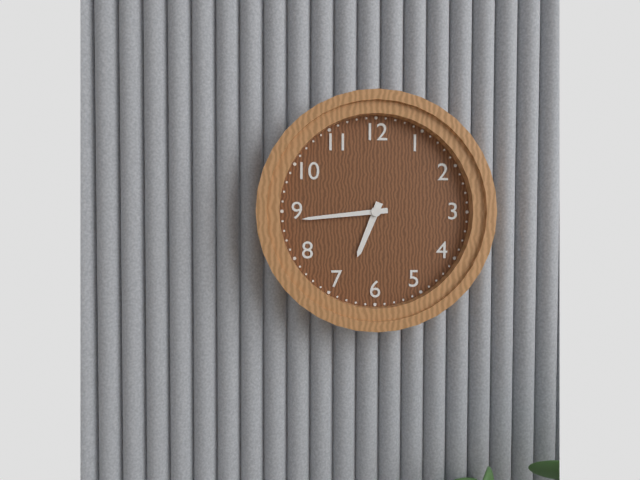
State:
6,44
